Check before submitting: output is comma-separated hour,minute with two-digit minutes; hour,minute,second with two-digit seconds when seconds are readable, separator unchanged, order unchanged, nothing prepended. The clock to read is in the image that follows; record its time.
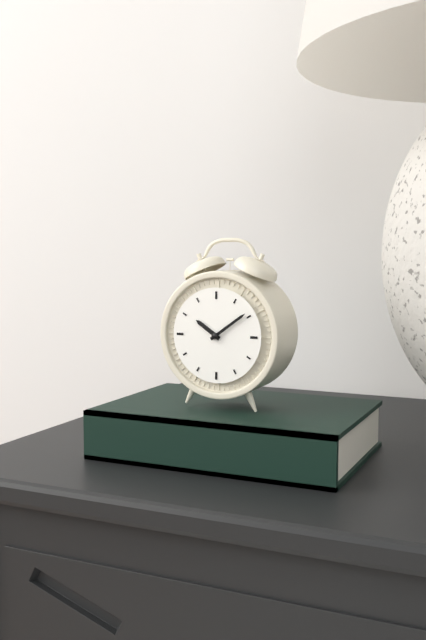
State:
10,09
